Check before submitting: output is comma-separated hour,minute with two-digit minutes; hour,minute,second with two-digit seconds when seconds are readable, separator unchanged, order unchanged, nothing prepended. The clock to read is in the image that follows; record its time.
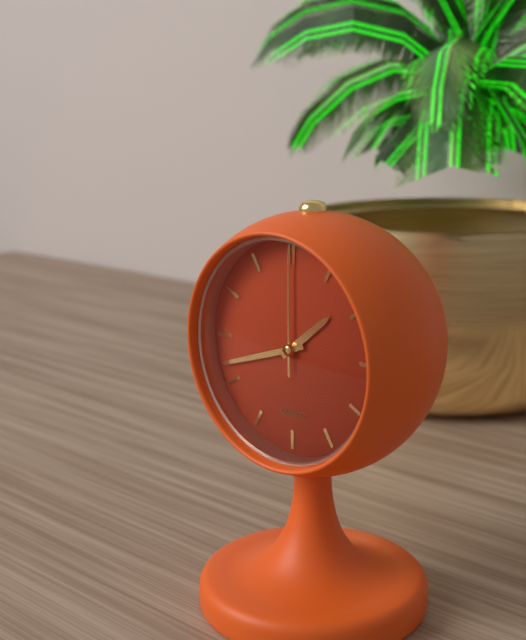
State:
1,42,00
